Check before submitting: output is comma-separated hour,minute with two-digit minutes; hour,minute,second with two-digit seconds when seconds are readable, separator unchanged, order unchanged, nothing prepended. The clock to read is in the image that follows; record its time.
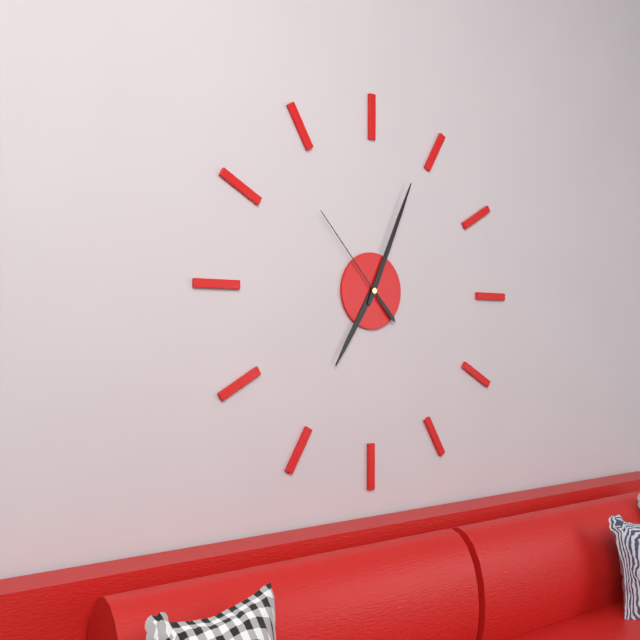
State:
7,04,53
